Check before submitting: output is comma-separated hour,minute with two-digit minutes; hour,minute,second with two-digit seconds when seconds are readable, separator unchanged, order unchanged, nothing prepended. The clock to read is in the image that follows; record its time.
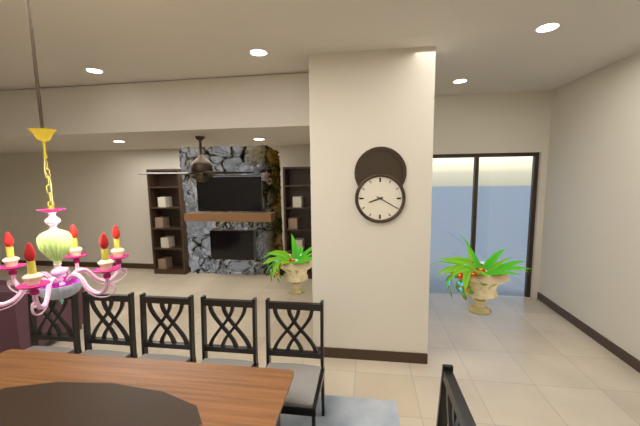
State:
8,20
